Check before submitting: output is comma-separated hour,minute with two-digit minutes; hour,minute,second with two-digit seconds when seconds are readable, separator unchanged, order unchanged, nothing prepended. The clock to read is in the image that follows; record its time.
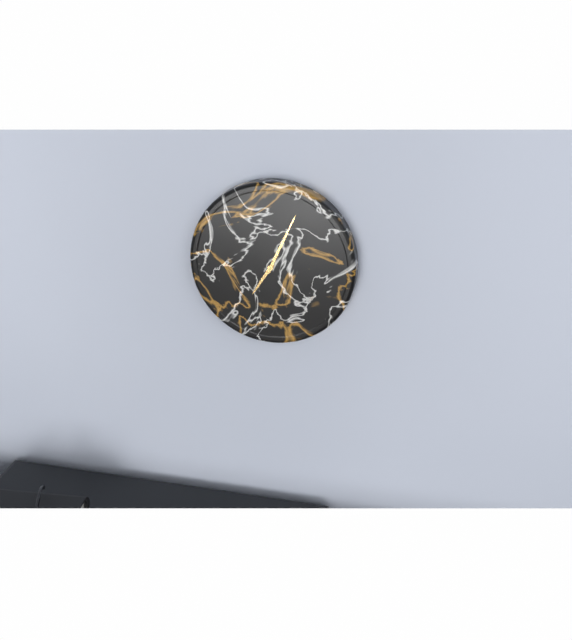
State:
7,04
